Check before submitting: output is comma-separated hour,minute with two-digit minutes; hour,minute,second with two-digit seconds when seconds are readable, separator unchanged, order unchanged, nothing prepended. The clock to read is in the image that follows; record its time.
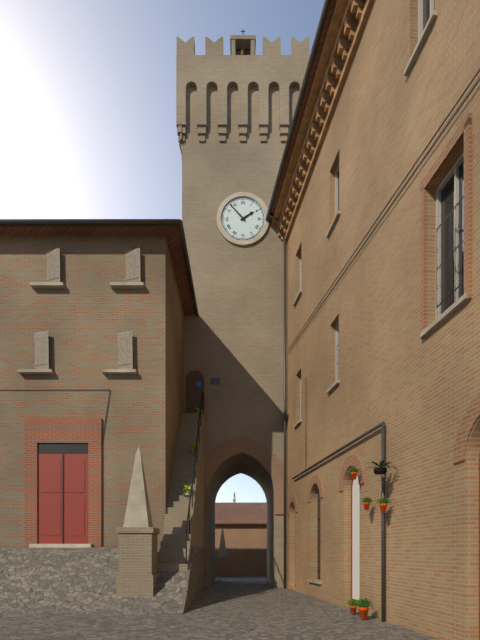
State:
1,53
